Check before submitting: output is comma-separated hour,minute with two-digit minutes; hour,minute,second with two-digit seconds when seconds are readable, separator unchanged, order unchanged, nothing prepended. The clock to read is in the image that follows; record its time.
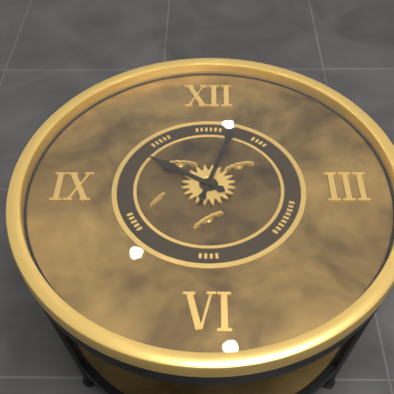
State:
10,03
